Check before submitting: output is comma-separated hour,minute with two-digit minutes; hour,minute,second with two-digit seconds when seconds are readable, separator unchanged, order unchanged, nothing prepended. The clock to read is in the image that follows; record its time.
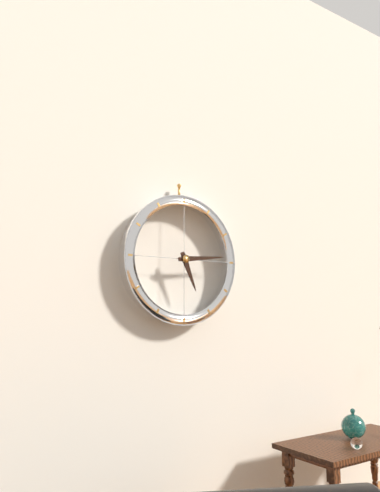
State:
5,14
